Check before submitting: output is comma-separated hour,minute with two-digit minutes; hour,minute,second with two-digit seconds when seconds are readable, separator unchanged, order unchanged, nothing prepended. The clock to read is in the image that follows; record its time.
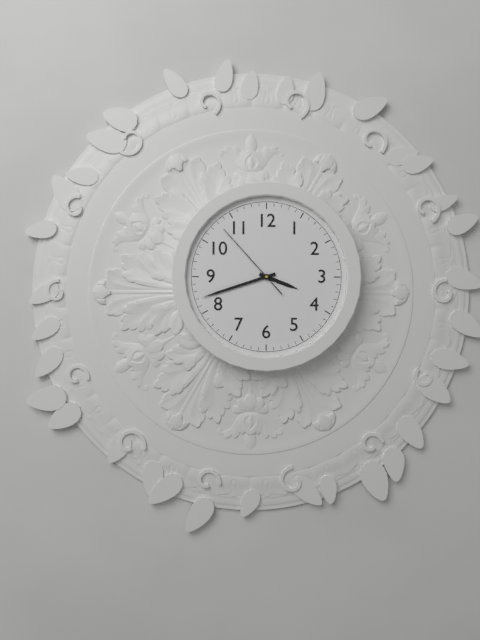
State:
3,42,53
